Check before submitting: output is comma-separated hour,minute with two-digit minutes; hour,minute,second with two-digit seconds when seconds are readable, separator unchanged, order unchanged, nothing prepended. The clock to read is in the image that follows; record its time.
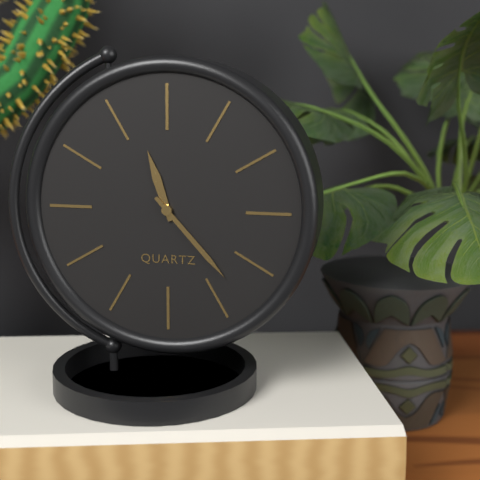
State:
11,23
